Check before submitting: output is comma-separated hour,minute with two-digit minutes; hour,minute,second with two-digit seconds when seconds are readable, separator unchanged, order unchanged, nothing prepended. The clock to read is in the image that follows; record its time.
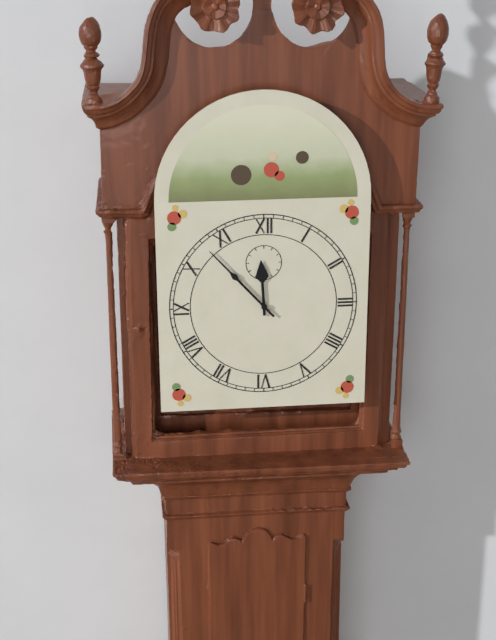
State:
11,53
